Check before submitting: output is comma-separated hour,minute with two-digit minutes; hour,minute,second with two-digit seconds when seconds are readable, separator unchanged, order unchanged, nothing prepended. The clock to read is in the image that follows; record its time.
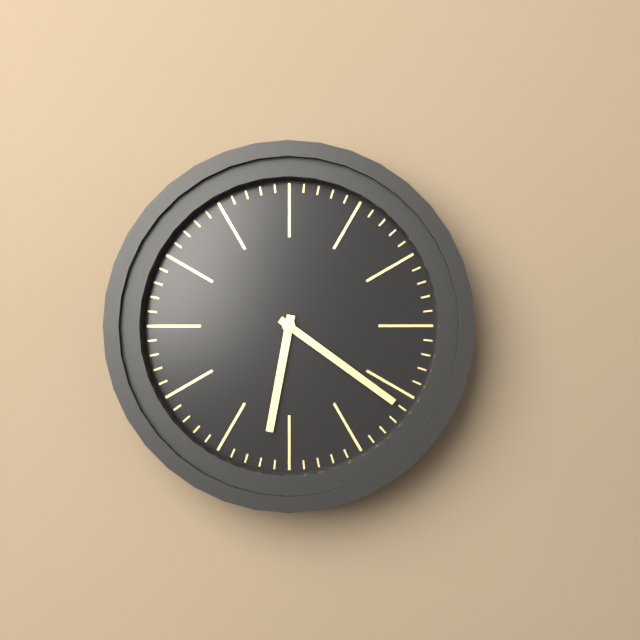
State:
6,21
